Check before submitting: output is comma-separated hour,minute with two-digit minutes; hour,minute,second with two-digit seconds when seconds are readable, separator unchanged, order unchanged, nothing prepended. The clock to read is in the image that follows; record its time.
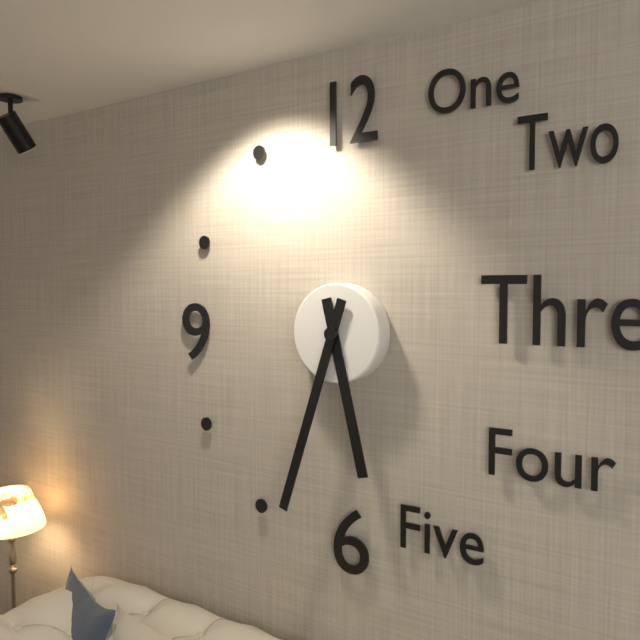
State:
5,33
